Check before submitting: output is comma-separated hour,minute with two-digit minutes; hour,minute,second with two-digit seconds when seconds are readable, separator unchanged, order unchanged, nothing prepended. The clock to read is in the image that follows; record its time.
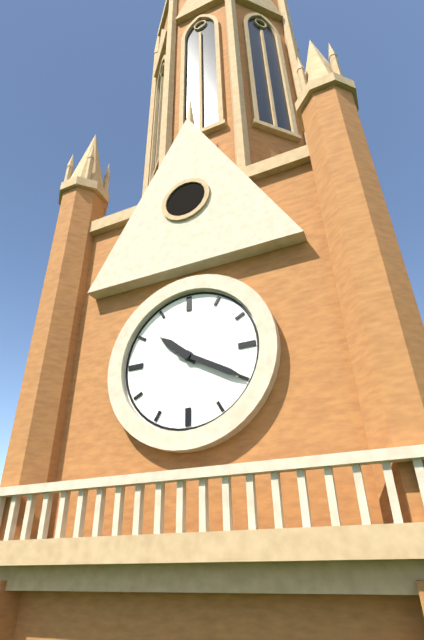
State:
10,20
